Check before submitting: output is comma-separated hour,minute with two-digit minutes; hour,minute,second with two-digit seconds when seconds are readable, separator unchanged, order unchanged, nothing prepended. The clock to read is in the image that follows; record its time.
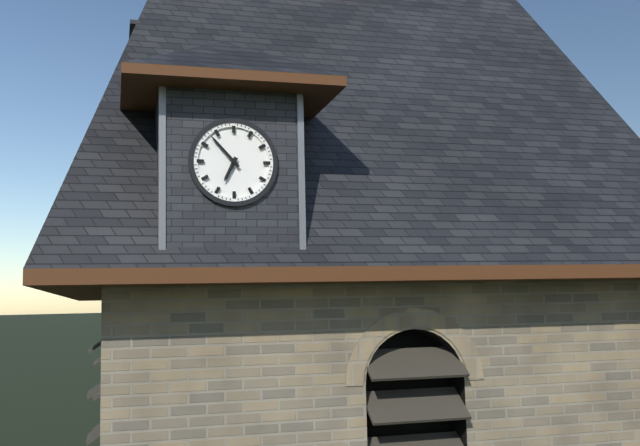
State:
6,53
